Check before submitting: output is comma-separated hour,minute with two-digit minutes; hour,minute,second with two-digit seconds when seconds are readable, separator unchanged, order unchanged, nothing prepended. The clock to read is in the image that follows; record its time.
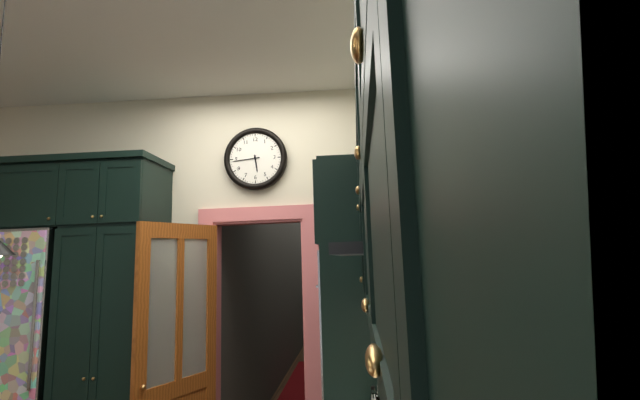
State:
5,44
